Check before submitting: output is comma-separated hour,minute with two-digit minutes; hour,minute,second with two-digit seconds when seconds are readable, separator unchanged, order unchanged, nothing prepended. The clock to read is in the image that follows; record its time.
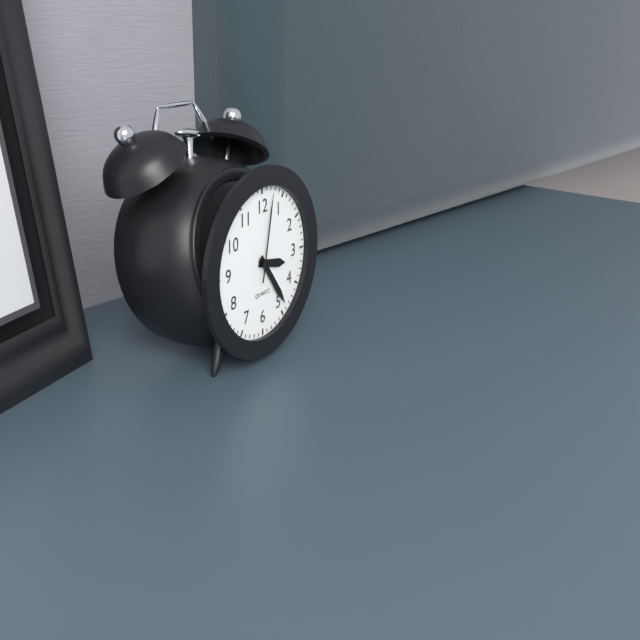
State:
3,24,02
